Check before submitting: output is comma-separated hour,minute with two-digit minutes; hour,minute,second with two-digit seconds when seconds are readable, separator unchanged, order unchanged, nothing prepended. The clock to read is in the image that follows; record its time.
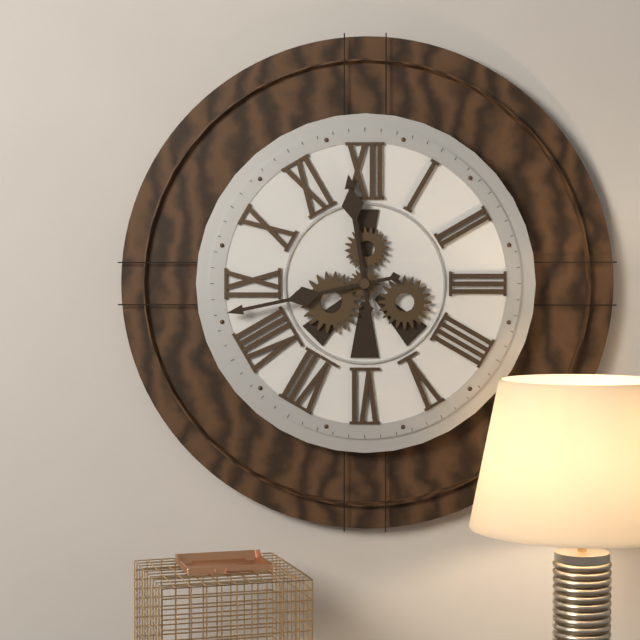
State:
11,43
